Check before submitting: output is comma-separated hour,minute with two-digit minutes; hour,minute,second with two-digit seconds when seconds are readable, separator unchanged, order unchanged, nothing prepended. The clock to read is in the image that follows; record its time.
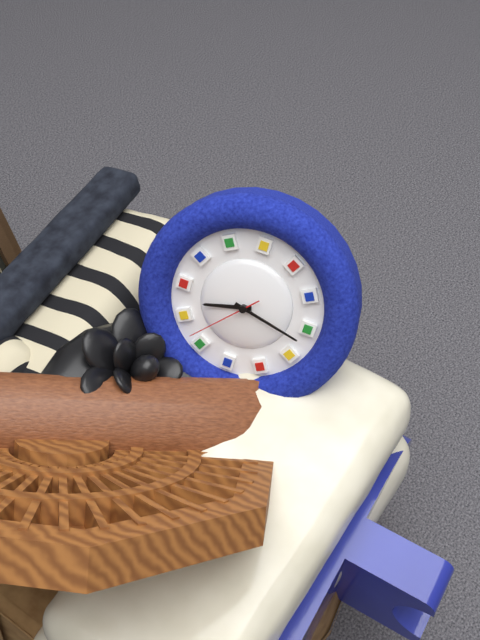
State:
10,27,47
